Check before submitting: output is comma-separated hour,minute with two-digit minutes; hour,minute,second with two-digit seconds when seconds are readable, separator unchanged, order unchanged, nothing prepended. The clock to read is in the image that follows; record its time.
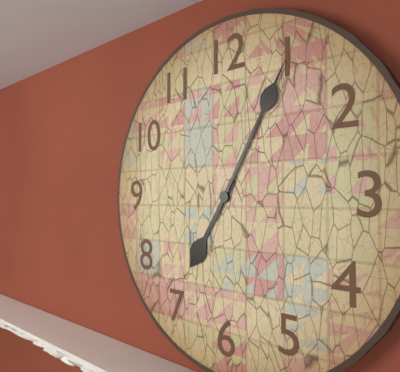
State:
7,05
